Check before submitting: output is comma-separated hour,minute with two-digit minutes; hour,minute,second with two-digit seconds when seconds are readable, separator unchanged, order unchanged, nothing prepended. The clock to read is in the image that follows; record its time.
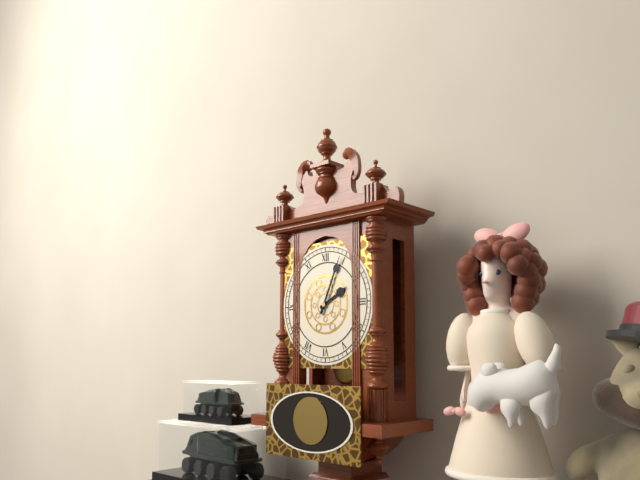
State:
2,04
